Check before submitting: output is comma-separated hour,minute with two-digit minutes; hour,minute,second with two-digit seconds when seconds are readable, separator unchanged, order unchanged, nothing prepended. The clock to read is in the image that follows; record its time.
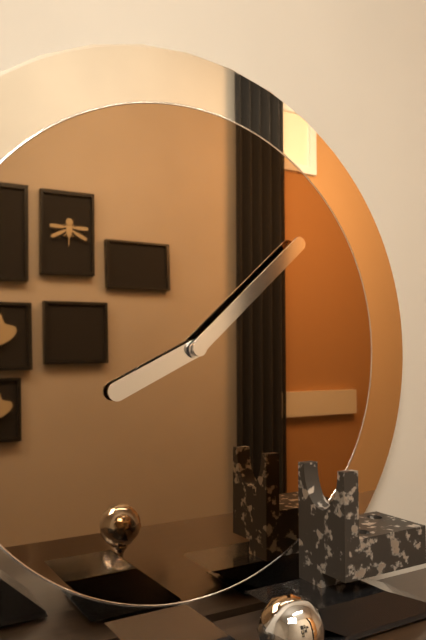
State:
8,08
